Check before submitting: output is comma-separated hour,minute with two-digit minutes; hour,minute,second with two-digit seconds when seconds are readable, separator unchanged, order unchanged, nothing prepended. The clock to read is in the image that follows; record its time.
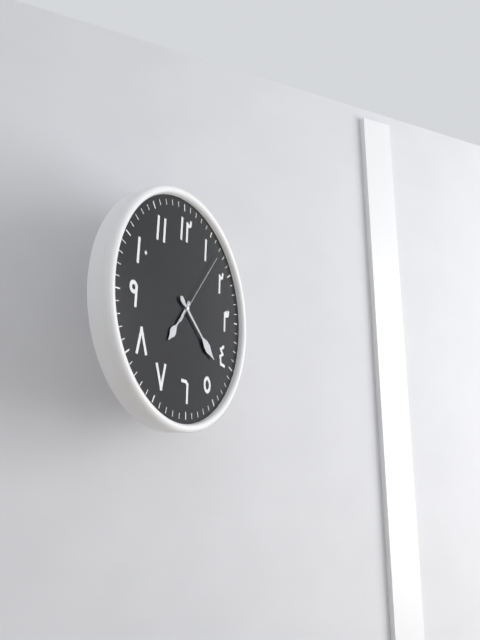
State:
7,22,07
